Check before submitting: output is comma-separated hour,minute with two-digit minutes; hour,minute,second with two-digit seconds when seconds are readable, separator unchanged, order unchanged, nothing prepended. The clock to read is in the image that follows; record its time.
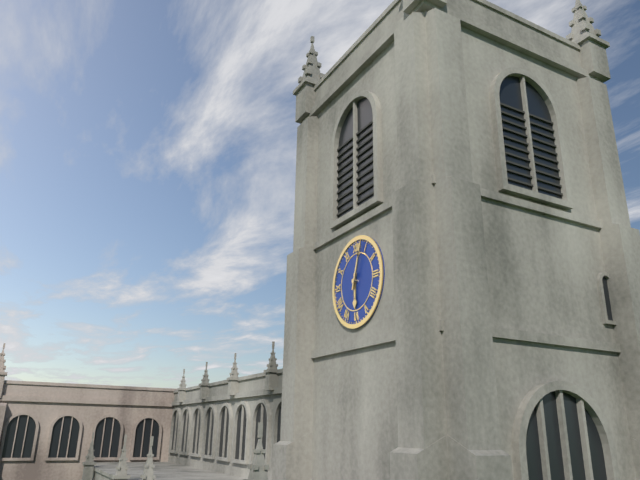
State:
6,03
